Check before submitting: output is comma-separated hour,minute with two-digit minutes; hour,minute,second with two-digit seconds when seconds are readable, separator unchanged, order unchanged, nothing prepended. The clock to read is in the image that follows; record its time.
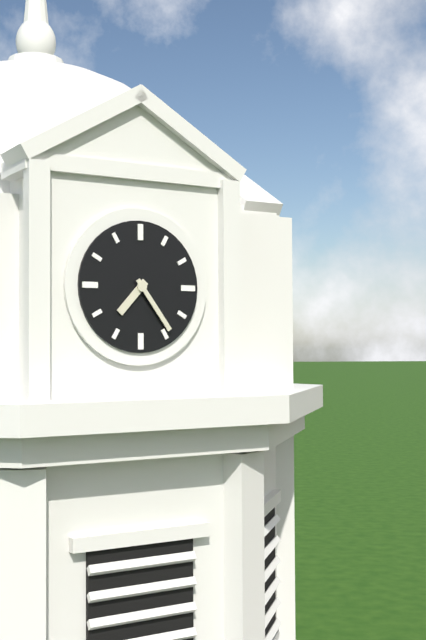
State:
7,24
